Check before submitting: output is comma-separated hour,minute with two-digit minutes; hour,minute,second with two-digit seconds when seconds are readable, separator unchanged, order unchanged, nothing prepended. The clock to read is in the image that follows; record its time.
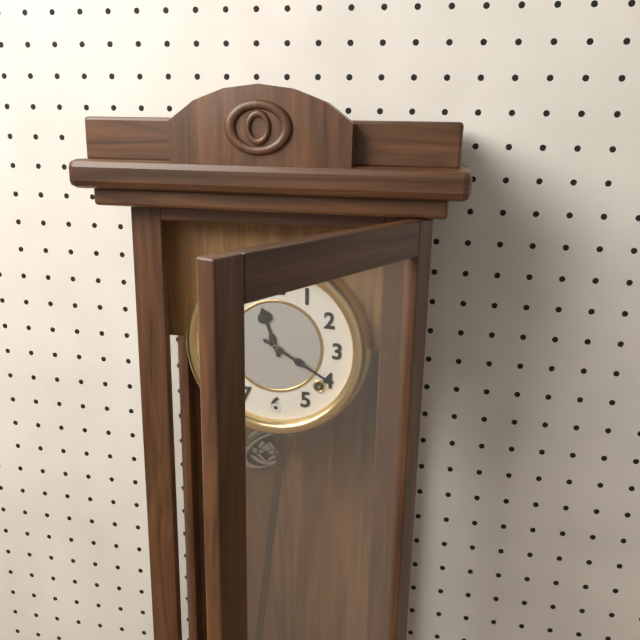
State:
11,20
